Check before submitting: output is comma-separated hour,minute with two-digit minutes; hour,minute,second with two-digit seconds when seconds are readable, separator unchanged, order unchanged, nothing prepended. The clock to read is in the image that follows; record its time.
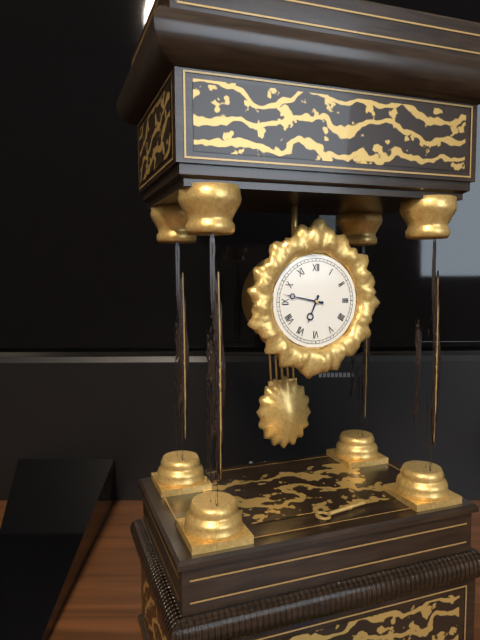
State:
6,47
